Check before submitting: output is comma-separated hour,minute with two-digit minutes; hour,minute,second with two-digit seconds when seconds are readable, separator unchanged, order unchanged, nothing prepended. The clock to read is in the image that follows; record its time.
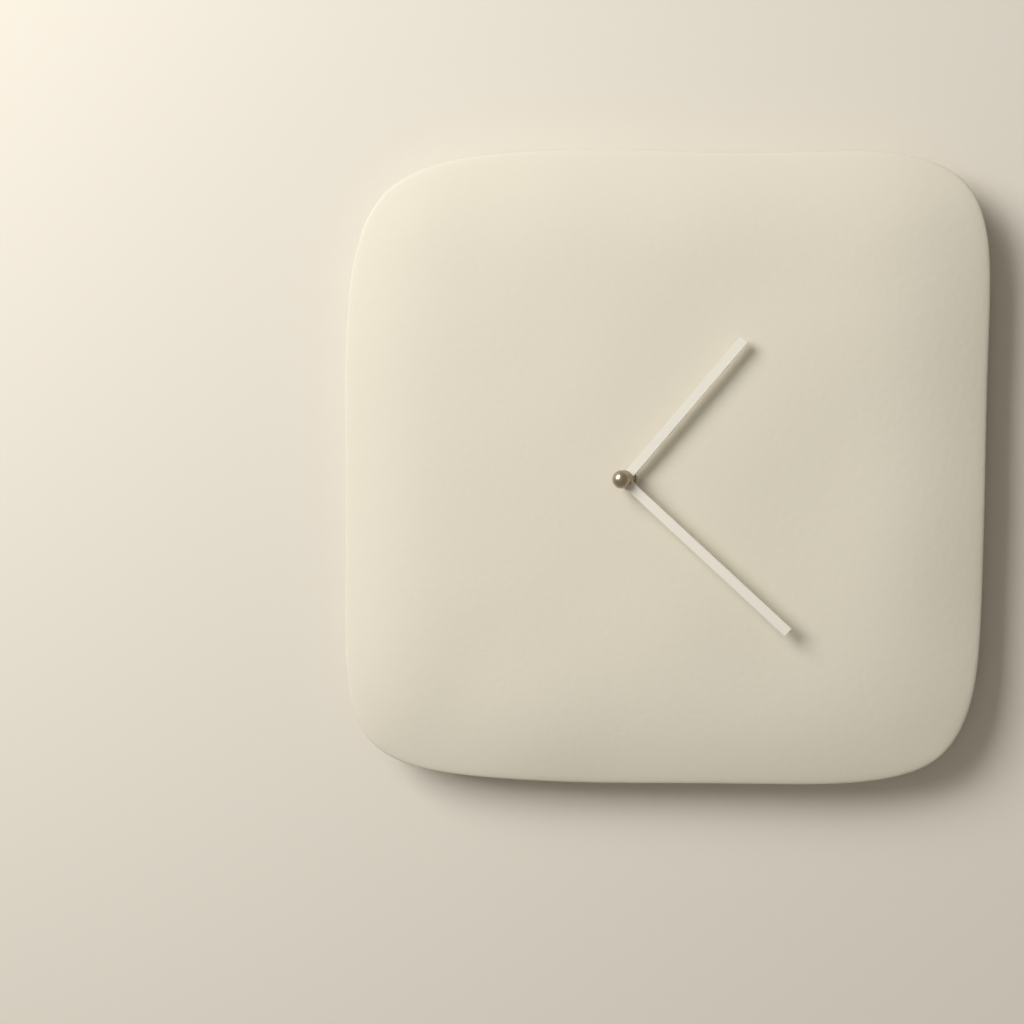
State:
1,22
